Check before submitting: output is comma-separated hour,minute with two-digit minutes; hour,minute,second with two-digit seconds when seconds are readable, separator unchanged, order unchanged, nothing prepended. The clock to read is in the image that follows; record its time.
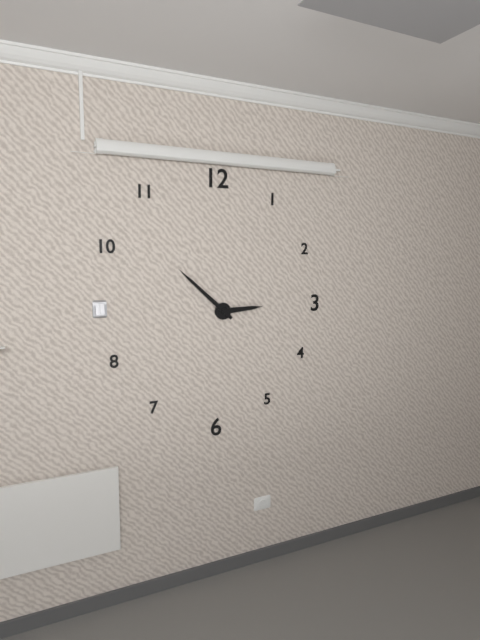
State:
2,52
